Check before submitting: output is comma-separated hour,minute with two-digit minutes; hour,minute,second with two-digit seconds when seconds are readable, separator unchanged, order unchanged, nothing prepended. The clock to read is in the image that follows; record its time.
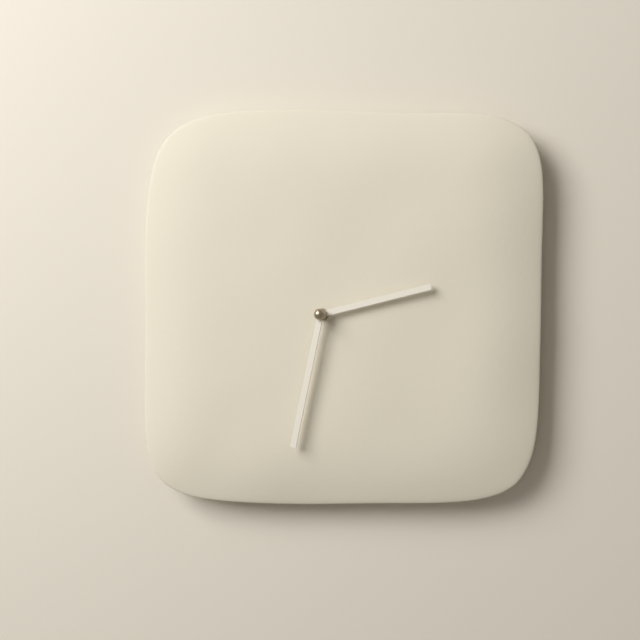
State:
2,32
